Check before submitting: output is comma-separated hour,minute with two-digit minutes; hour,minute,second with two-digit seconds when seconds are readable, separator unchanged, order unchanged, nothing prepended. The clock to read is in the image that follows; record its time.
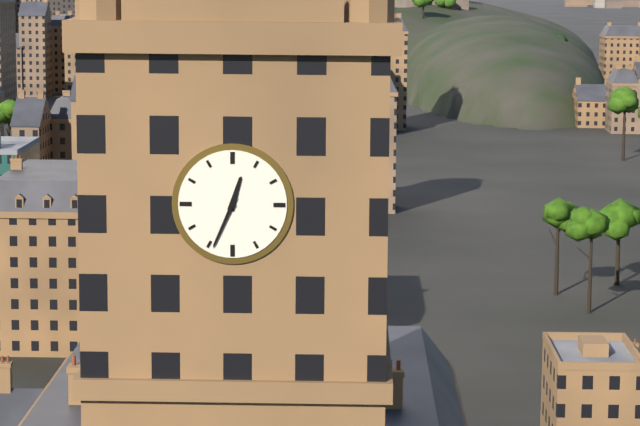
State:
12,34
